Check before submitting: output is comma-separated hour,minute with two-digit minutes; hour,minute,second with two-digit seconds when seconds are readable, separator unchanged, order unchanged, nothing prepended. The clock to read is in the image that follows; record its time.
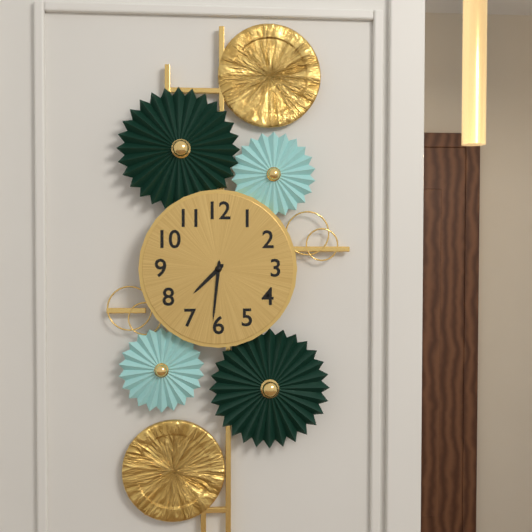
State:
7,31
